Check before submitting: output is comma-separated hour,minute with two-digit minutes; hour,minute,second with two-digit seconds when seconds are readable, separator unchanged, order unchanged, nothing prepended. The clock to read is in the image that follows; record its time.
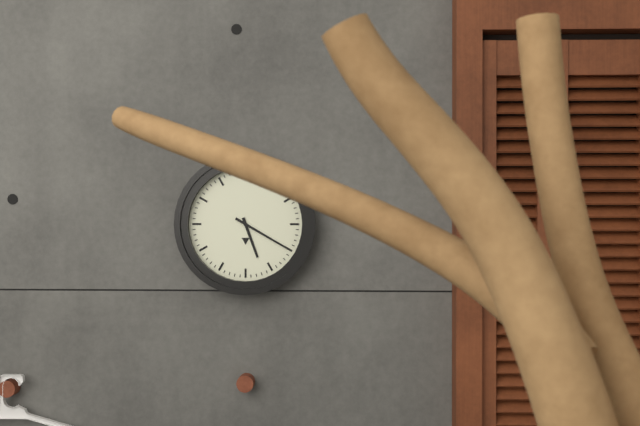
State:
5,20
